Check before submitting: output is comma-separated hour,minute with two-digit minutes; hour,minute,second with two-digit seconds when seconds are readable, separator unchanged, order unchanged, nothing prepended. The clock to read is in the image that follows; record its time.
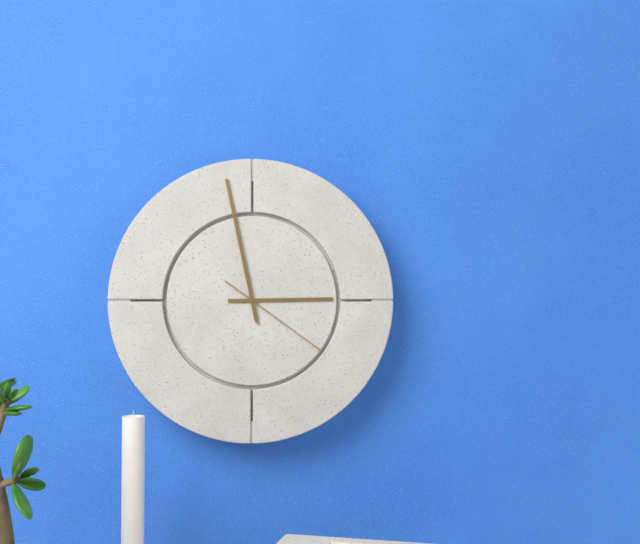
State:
2,58,21
